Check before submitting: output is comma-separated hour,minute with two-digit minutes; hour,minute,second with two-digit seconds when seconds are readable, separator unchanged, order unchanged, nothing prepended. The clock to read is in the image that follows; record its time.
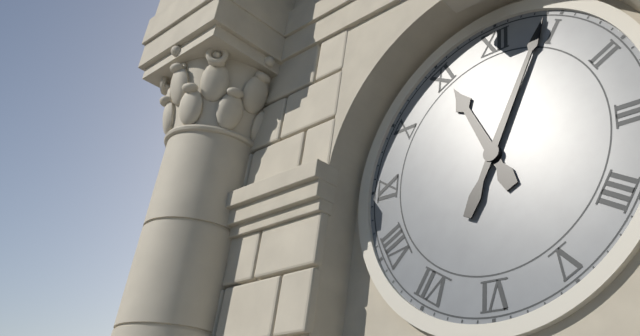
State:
11,04
